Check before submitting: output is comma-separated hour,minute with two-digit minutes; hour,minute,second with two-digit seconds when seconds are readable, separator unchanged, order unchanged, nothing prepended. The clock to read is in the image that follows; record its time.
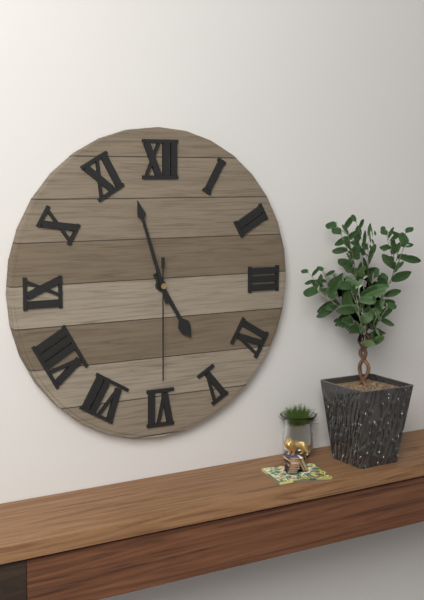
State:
4,57,30
